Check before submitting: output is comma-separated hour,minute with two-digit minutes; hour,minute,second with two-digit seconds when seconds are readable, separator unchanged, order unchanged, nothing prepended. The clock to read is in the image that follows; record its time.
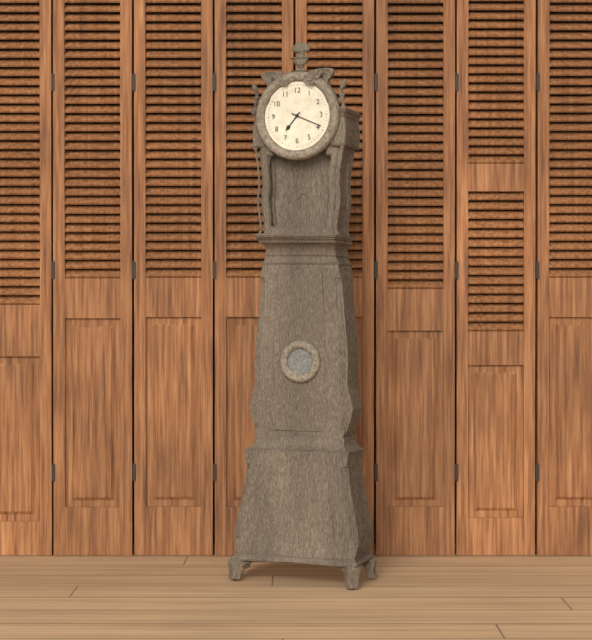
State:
7,19
